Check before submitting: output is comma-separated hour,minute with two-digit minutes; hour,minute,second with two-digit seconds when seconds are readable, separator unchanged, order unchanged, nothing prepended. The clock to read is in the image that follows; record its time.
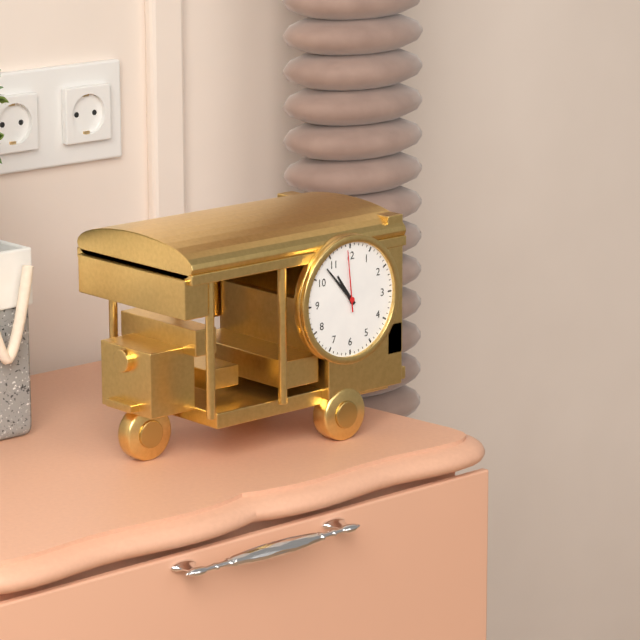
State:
10,53,59
